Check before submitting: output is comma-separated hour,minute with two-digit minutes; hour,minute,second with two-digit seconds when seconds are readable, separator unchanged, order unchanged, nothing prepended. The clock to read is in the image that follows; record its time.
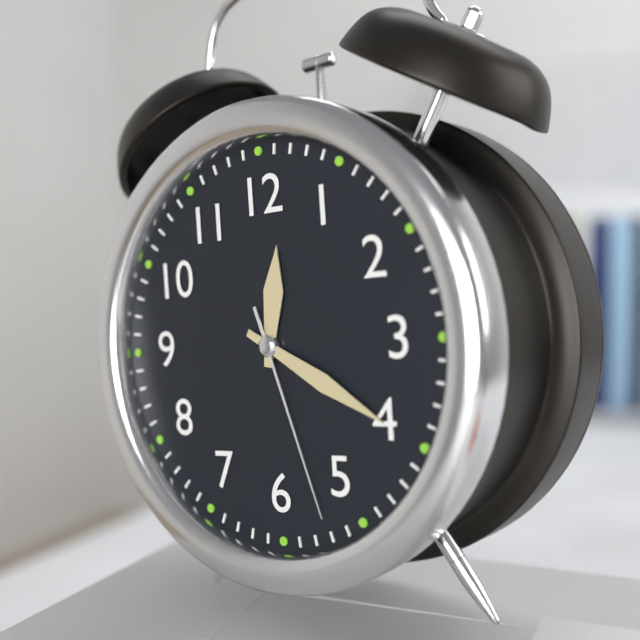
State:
12,20,27
